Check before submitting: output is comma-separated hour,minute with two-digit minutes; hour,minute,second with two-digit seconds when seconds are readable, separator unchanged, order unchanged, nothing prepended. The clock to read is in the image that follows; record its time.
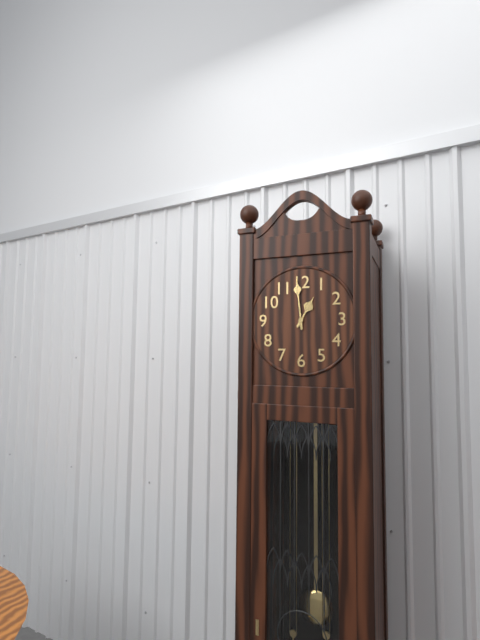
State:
12,59
